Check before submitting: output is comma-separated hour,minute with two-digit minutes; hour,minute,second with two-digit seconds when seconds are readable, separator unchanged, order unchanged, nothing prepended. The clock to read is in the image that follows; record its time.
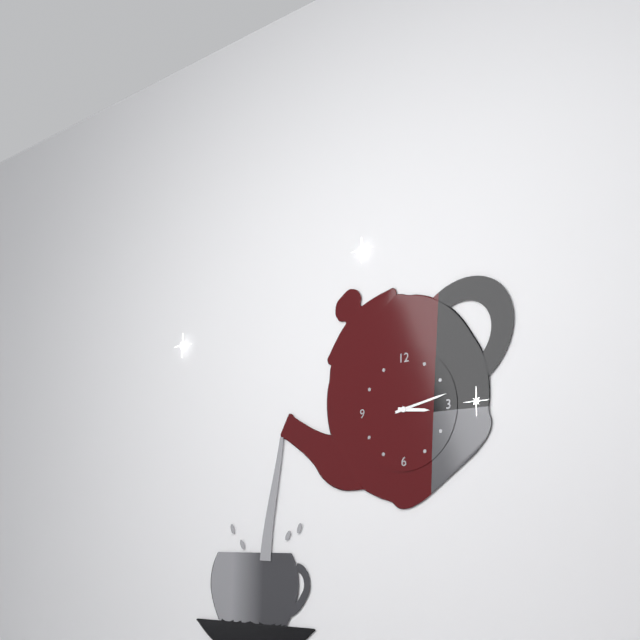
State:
3,13
